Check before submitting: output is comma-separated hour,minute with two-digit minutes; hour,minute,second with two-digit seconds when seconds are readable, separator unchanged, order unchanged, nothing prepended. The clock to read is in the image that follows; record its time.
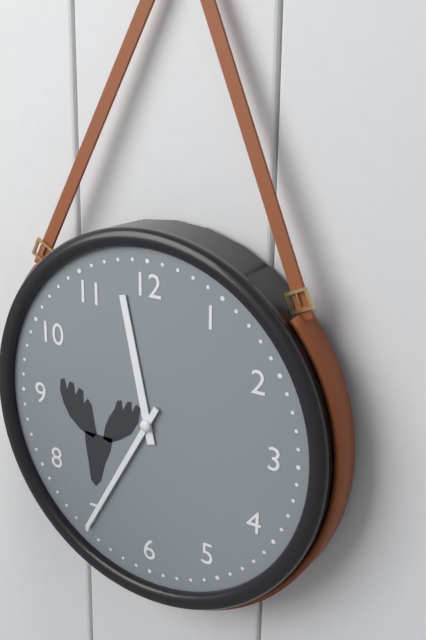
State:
11,35
